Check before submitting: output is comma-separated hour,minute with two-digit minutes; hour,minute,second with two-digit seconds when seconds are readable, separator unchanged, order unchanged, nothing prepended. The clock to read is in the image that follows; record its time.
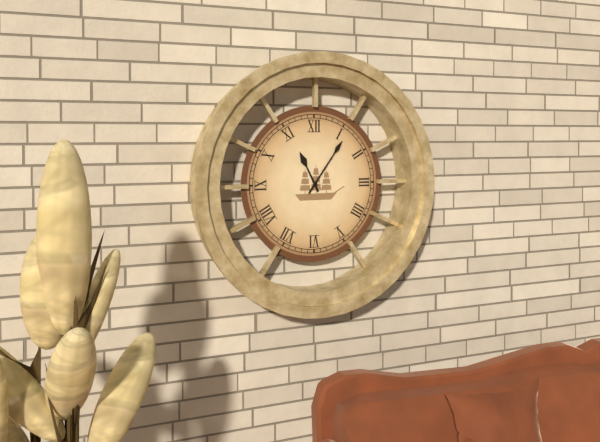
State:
11,06
